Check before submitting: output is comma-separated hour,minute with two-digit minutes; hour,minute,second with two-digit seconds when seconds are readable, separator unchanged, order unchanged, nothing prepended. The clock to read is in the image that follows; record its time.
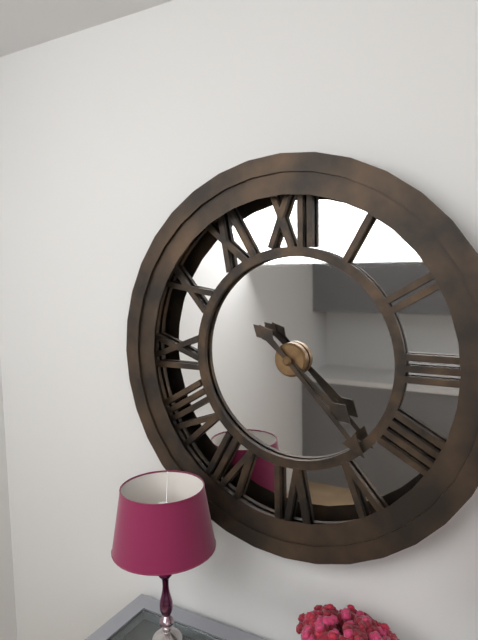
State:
4,23
